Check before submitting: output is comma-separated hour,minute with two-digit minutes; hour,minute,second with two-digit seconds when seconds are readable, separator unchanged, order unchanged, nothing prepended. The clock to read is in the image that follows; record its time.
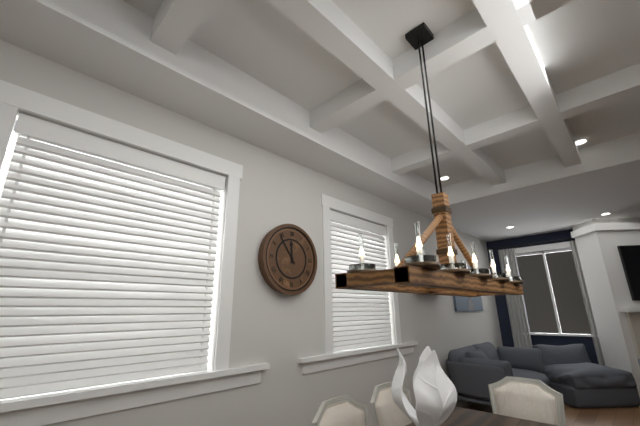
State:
11,54
